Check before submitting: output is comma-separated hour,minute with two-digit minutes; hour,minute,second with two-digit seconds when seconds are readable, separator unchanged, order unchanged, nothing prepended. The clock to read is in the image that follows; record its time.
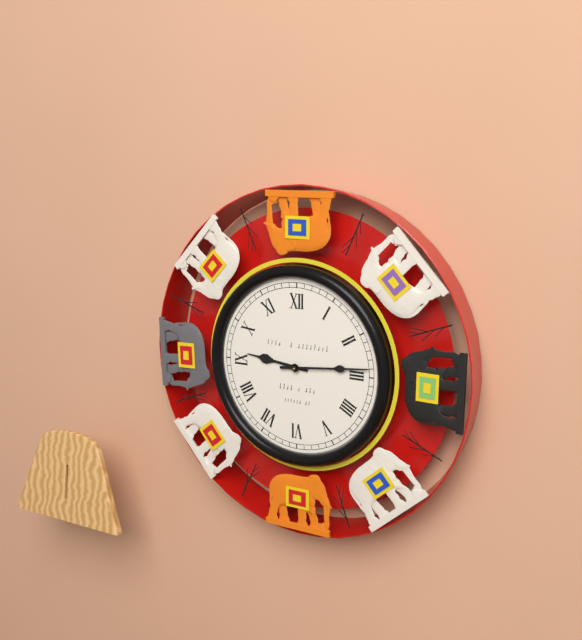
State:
9,14
